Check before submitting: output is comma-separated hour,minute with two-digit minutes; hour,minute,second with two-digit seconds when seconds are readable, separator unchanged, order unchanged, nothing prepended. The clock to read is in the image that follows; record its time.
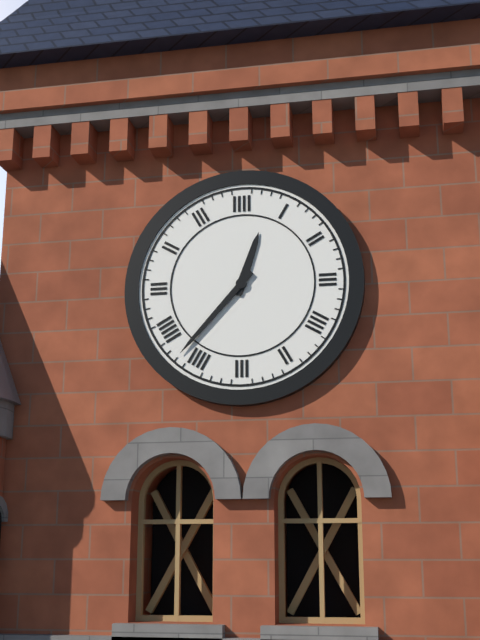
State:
12,37
